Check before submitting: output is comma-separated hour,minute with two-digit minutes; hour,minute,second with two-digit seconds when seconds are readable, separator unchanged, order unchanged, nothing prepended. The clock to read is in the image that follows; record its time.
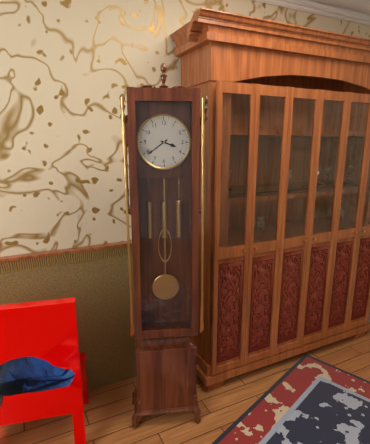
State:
3,39
